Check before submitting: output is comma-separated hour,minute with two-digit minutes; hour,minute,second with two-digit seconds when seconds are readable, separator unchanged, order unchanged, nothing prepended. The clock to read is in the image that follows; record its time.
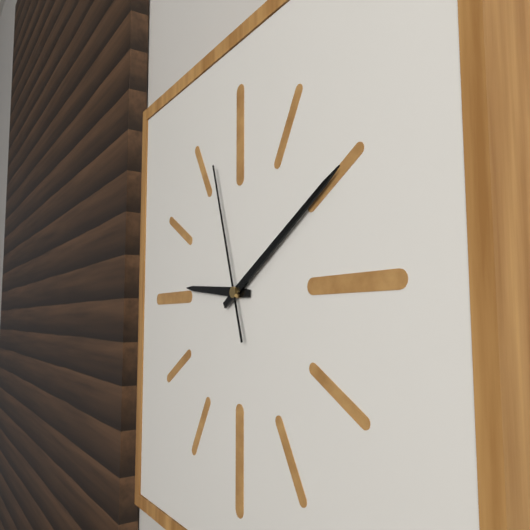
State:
9,10,57
